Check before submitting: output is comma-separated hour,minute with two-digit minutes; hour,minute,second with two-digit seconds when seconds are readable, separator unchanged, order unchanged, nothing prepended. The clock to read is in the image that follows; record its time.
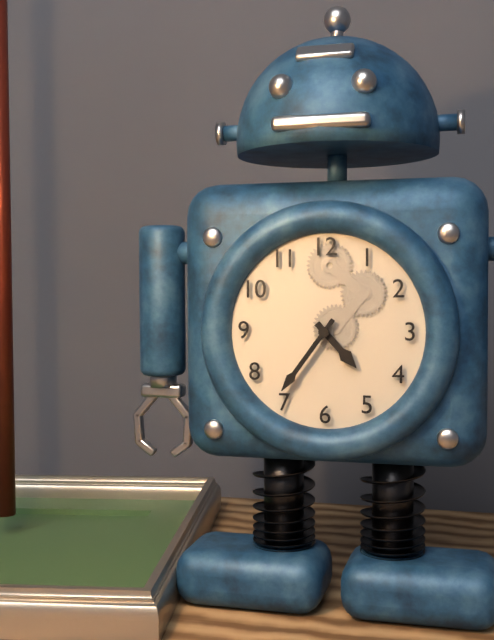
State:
4,36
